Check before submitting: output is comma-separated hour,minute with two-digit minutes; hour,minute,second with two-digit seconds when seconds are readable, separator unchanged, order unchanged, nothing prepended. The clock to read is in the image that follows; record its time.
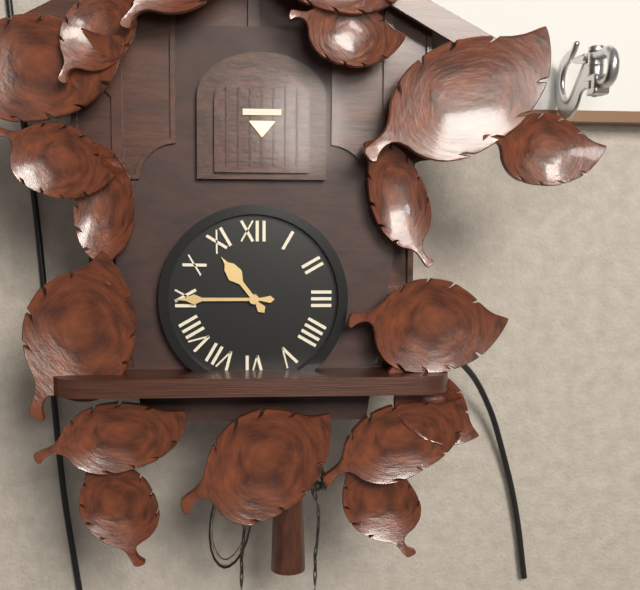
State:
10,45
